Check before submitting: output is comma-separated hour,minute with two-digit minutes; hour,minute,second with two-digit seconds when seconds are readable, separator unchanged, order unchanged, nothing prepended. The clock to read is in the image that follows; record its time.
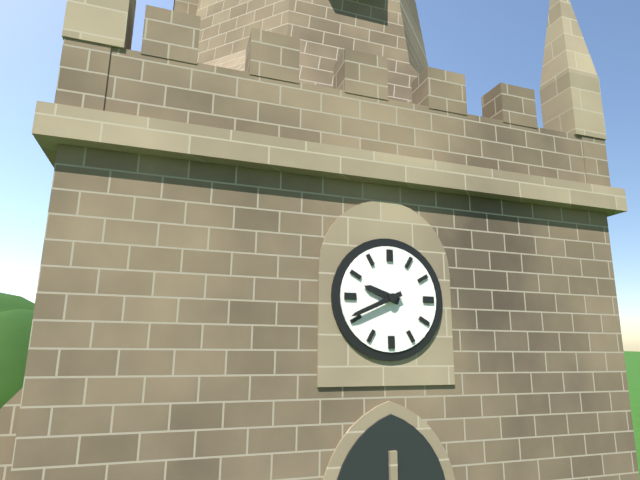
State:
9,41
